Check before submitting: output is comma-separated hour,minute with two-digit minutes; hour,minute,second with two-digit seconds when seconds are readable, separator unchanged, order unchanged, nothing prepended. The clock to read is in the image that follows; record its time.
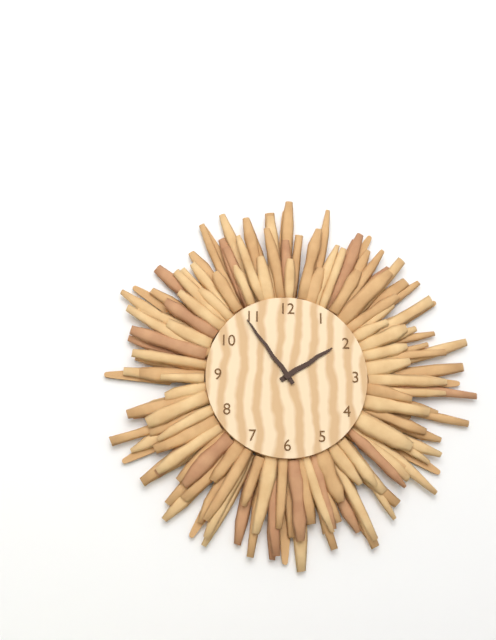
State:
1,54
